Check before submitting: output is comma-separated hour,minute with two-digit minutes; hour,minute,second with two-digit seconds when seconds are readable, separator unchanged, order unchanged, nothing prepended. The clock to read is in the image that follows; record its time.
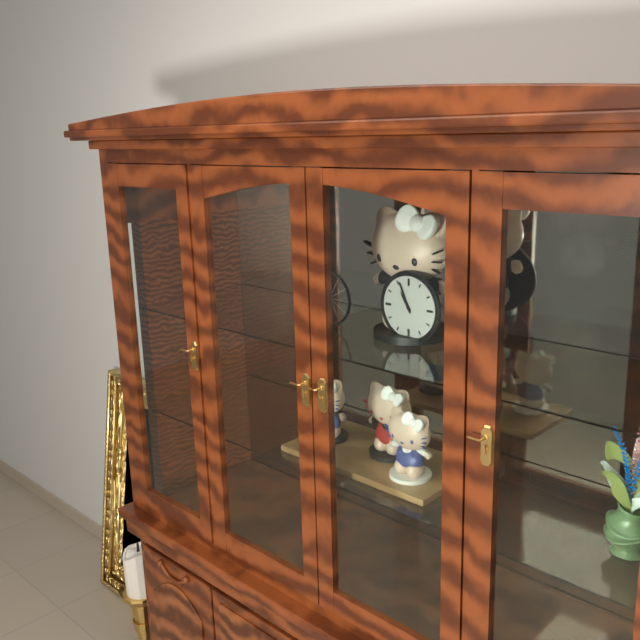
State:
10,56
